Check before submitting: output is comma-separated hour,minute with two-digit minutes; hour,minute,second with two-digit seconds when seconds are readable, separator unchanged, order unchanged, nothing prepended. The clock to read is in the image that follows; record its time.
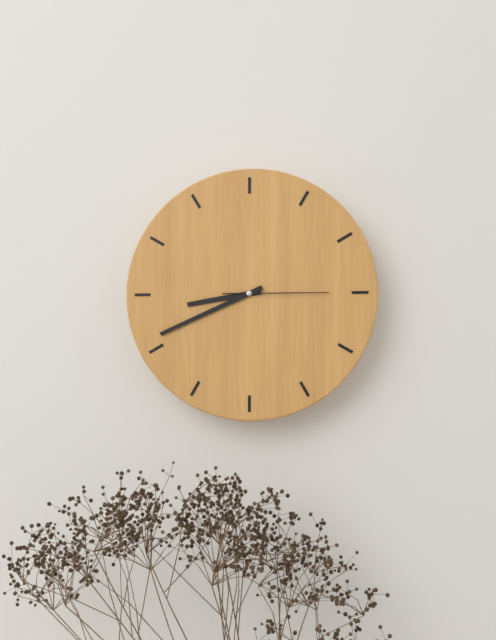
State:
8,41,15
